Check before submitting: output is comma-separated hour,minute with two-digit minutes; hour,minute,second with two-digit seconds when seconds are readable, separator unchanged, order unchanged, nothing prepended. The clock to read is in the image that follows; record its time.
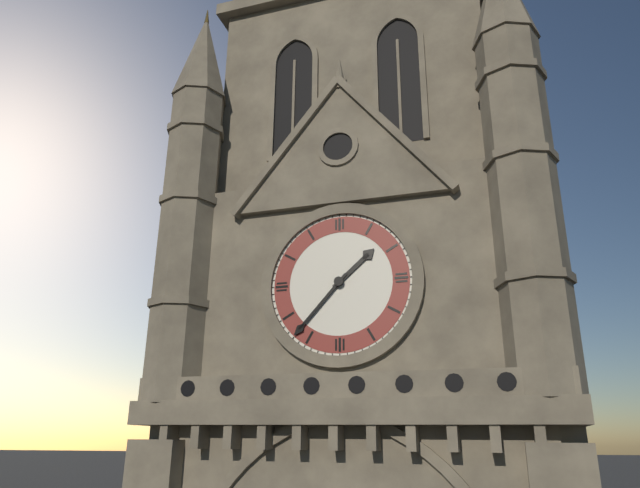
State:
1,37
